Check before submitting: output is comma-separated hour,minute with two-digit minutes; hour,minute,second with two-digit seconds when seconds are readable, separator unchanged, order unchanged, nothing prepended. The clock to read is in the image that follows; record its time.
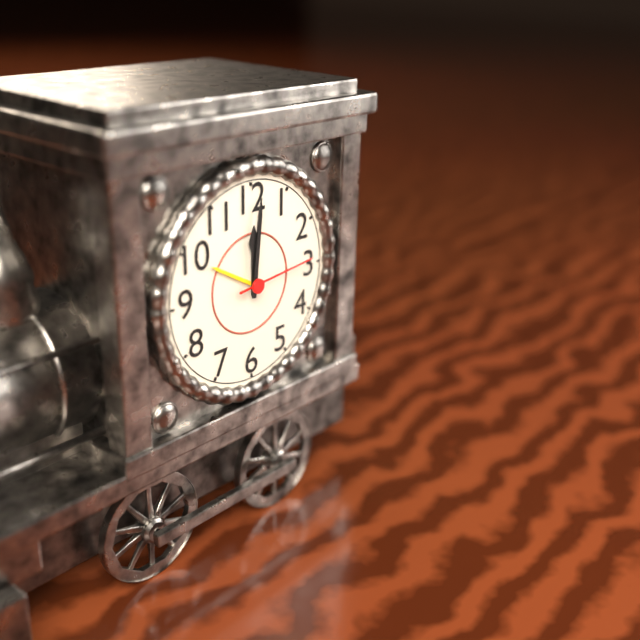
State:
12,01,14
